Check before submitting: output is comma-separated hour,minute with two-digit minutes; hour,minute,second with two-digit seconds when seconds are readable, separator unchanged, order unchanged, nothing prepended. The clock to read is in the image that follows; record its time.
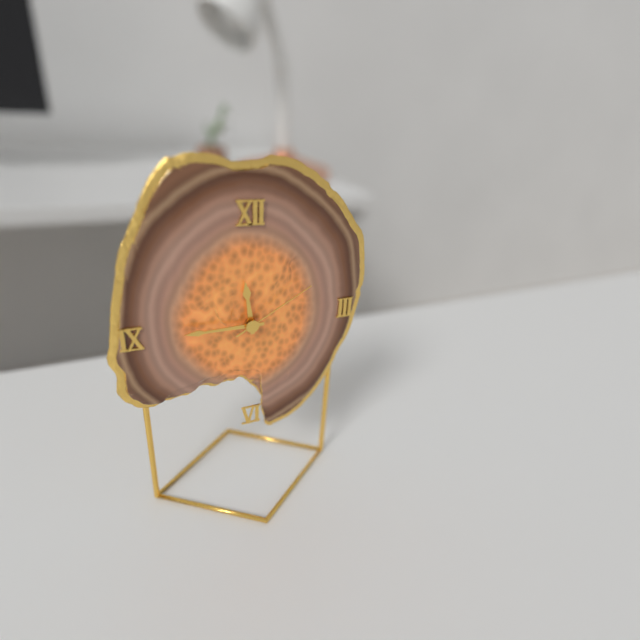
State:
11,45,10
